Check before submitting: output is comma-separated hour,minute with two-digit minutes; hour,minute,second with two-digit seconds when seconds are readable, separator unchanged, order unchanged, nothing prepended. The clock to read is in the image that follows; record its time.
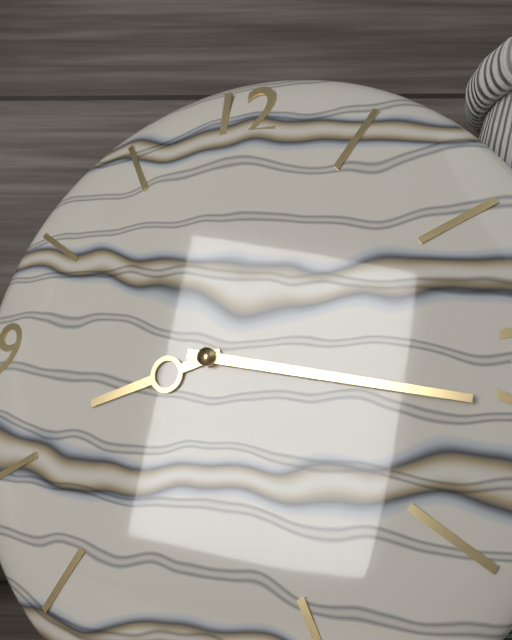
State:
8,16
